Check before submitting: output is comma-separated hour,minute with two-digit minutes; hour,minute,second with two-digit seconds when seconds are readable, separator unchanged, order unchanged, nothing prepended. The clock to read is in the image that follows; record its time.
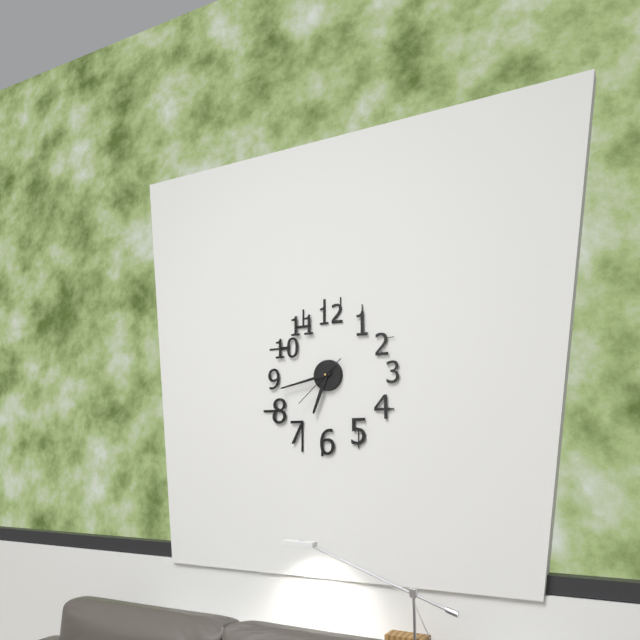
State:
6,43
